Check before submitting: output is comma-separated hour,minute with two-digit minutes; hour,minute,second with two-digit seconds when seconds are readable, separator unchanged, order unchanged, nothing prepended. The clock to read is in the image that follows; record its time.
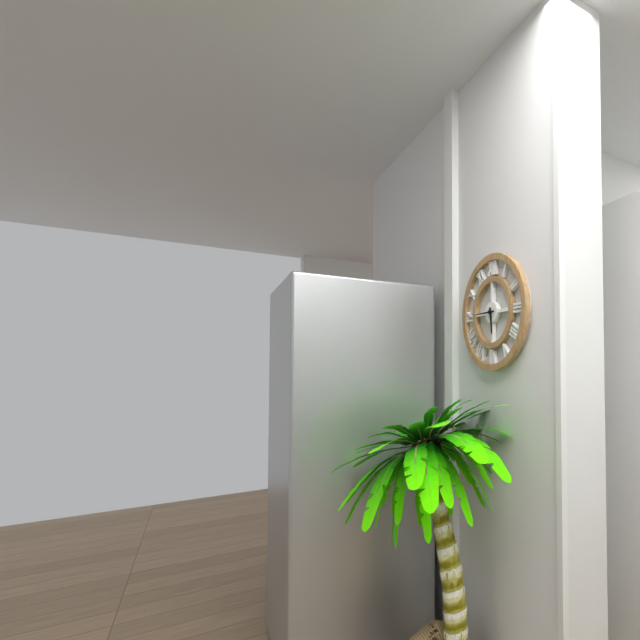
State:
5,45
